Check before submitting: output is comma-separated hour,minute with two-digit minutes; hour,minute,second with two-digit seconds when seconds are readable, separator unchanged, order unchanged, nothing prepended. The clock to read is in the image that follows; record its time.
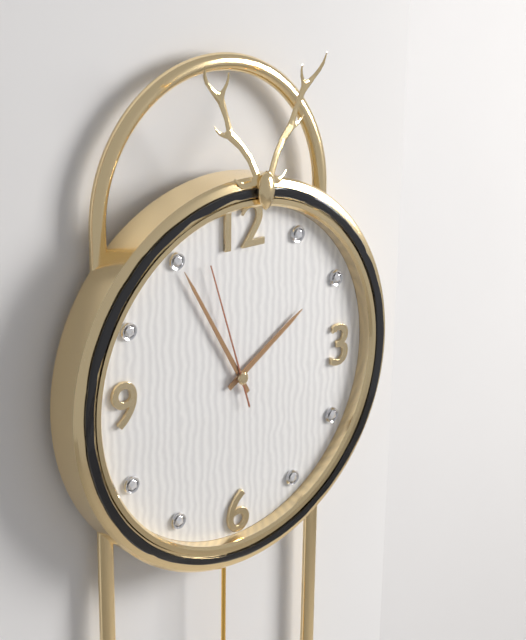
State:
1,55,57
